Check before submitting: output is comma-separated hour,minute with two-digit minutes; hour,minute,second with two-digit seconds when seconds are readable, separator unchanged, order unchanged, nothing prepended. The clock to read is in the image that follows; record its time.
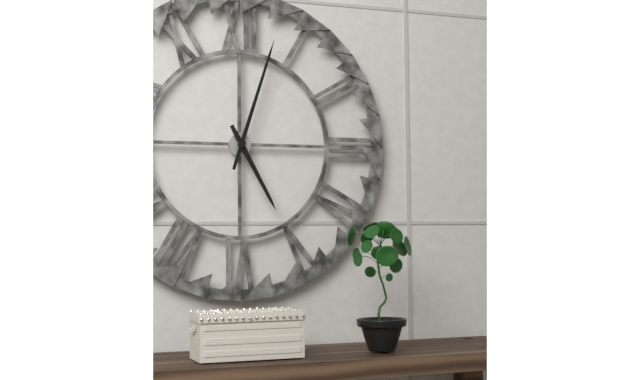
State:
5,03
